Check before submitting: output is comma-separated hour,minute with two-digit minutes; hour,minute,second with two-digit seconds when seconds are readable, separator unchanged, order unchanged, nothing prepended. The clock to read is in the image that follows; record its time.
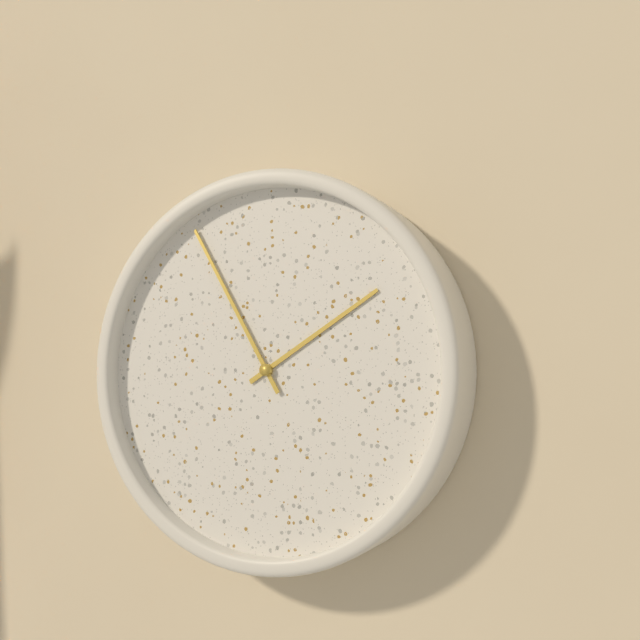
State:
1,55
